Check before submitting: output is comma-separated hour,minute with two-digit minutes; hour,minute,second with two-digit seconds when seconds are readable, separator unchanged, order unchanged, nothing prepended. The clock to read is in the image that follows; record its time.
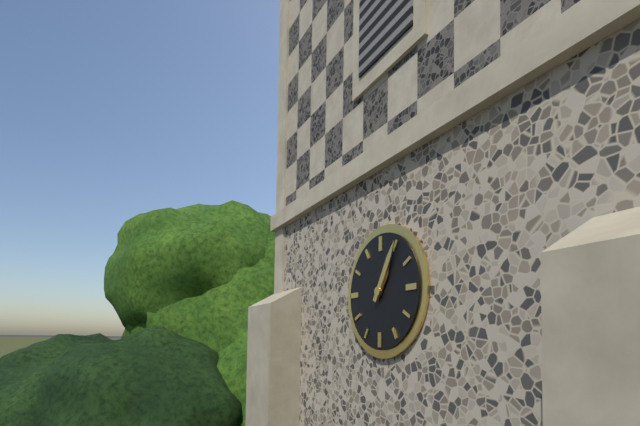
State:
1,05
